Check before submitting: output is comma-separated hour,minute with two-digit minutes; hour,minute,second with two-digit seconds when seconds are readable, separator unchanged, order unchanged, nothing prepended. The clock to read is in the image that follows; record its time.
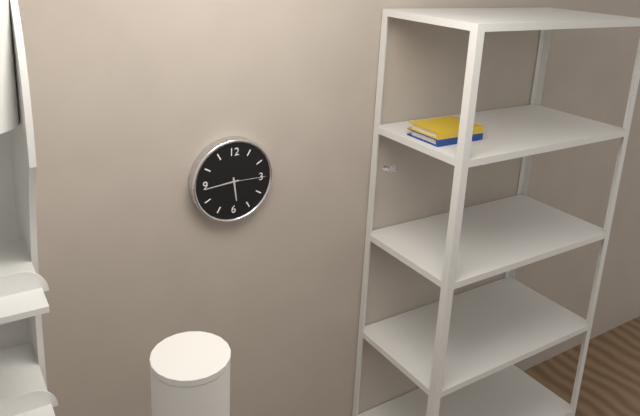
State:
5,44
